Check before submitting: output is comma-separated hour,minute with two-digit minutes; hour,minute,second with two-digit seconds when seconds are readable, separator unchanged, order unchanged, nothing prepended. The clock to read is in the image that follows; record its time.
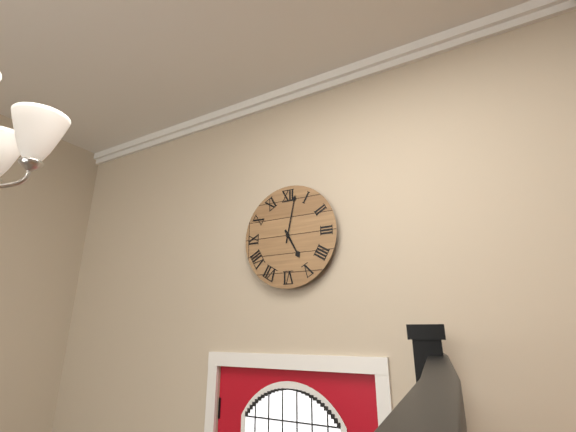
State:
5,02
